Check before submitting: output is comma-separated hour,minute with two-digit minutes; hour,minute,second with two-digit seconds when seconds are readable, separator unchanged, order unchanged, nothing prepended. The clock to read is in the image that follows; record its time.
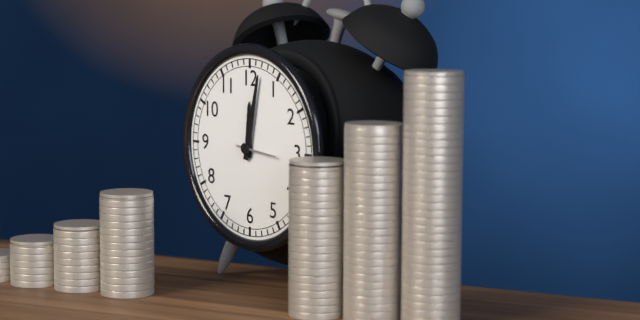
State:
12,02
